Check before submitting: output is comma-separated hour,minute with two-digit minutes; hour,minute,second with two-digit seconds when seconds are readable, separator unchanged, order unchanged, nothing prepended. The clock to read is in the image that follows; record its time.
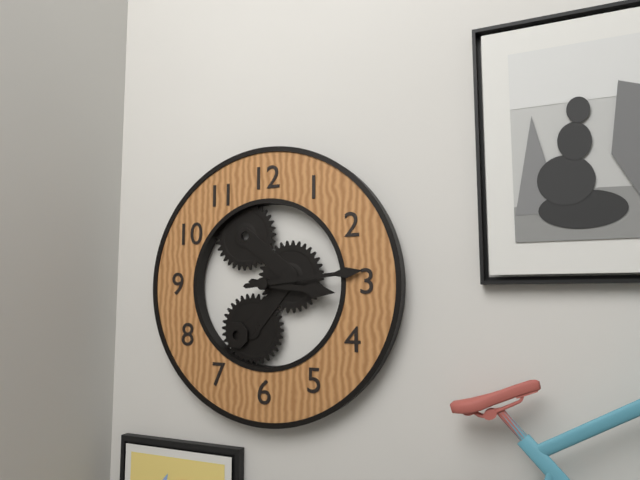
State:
3,14
